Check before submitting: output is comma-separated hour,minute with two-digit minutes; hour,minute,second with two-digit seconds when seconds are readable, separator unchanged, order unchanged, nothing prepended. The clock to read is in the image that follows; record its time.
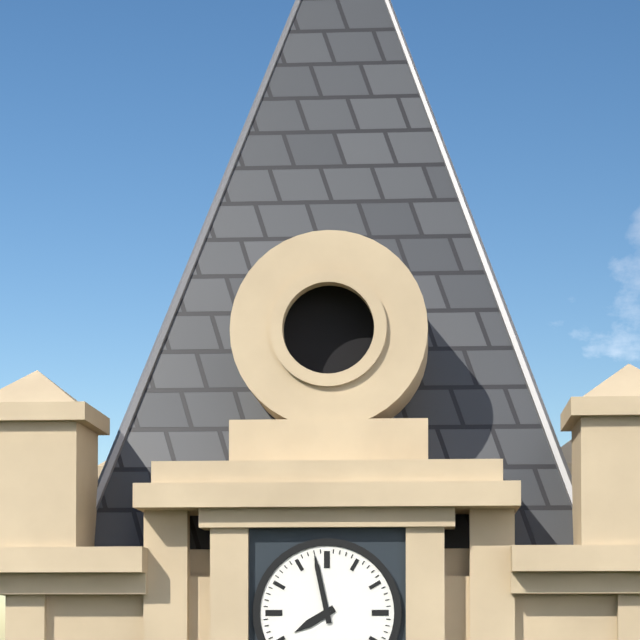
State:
7,58
